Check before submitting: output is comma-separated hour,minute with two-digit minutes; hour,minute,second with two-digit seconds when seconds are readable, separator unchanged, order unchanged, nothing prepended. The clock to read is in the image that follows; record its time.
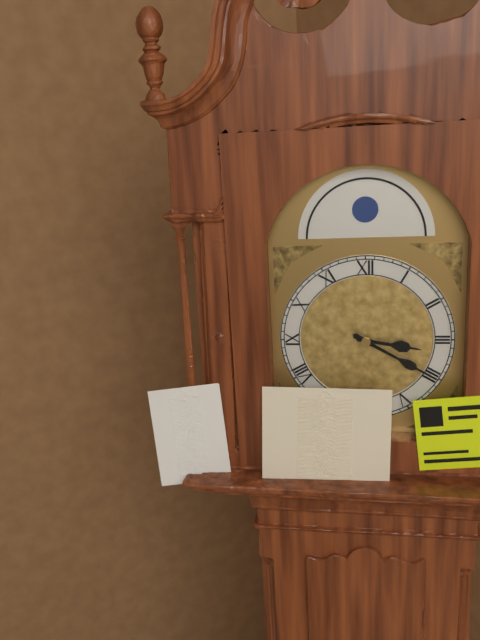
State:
3,20
